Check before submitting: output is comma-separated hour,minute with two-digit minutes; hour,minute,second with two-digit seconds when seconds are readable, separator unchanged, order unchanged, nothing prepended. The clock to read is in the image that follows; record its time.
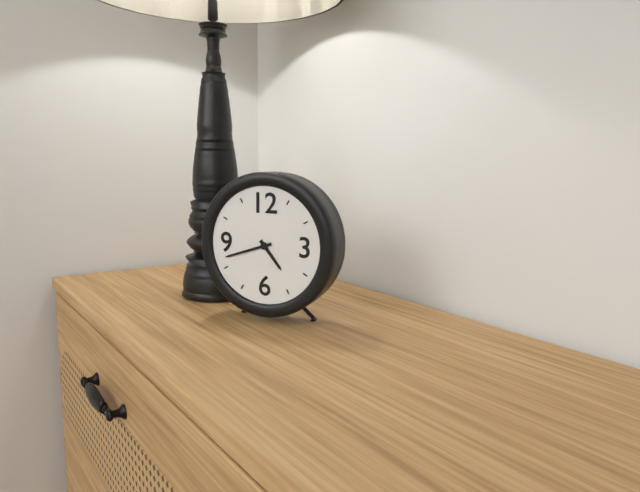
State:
4,42
